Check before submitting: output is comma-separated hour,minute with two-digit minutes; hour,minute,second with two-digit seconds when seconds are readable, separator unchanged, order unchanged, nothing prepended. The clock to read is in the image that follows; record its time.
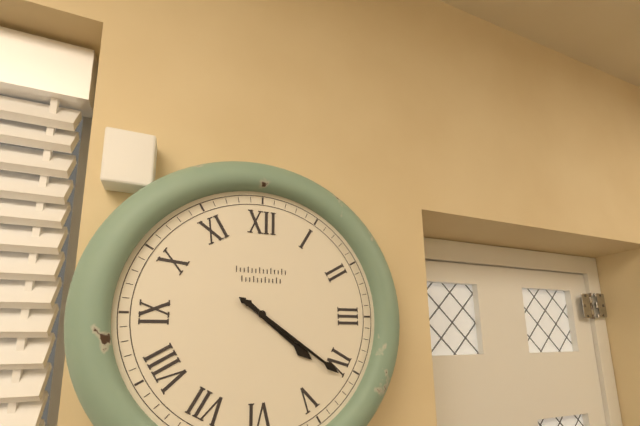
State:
4,21
